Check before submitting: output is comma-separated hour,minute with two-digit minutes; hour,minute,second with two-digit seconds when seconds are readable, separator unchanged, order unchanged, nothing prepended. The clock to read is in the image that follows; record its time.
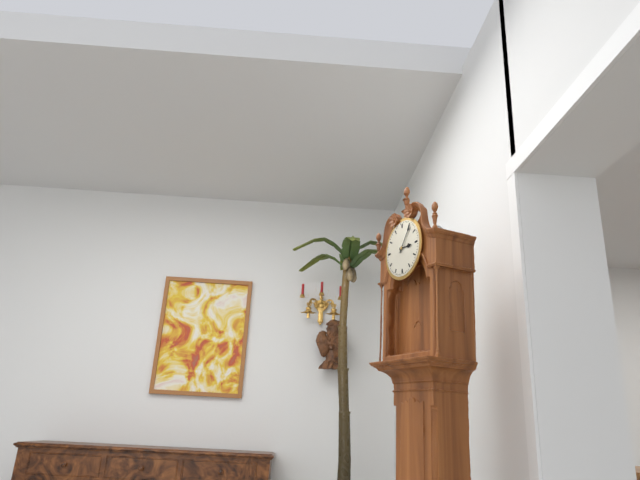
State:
3,06
